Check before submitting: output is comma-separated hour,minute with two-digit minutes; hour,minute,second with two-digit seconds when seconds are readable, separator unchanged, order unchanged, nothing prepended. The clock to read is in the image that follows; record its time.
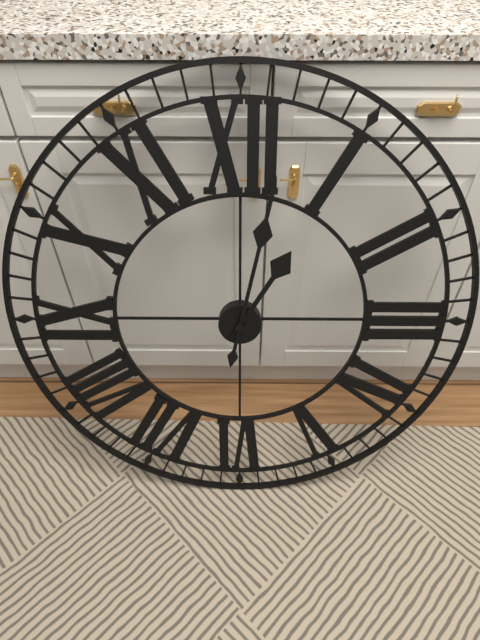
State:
1,02
